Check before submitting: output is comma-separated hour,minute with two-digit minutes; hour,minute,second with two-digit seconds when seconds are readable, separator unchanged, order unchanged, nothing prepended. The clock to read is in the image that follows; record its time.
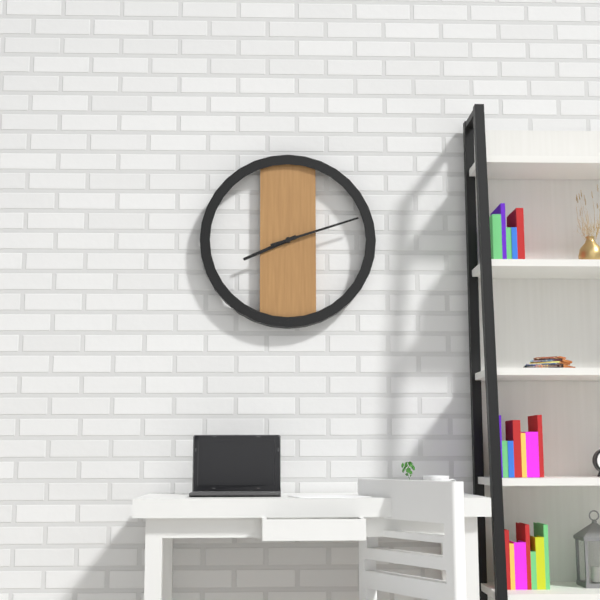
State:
8,12
